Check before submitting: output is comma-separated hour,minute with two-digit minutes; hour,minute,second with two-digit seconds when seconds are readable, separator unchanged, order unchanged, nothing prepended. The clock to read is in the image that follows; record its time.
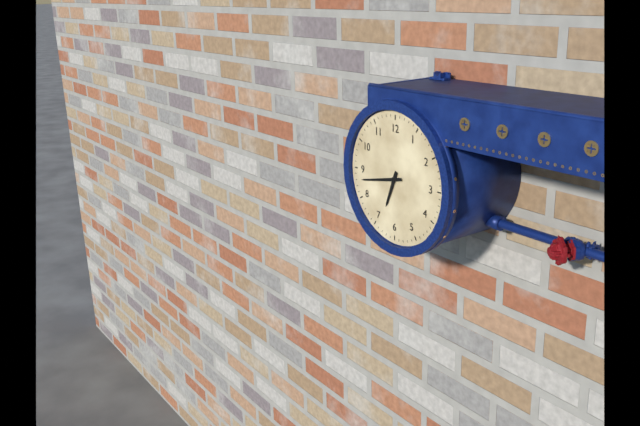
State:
6,43
